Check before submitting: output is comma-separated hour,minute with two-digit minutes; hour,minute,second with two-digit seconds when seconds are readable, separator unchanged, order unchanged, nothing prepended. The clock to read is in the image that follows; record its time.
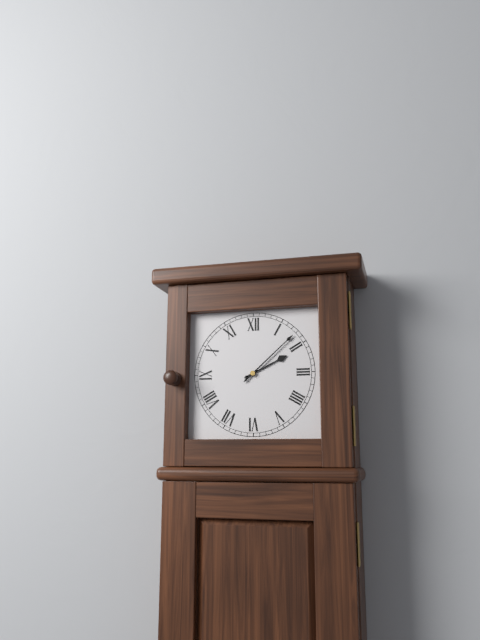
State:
2,08
